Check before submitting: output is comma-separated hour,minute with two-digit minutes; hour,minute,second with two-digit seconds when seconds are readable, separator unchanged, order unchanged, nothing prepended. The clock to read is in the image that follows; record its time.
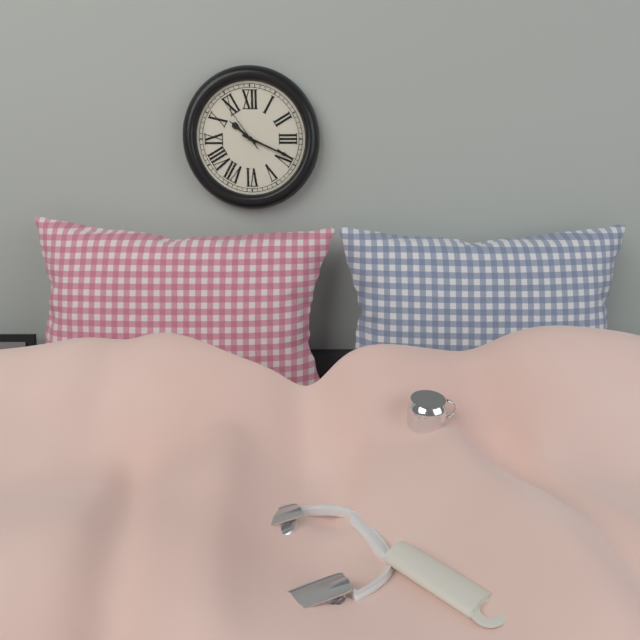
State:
10,19,54
